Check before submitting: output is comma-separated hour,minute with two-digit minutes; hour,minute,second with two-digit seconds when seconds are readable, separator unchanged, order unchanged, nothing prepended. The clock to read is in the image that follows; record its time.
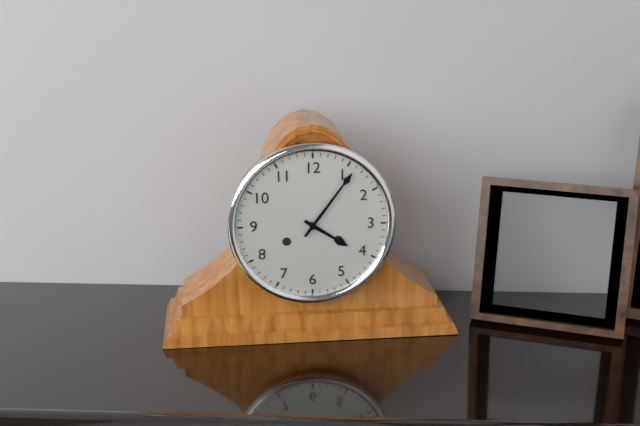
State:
4,06
